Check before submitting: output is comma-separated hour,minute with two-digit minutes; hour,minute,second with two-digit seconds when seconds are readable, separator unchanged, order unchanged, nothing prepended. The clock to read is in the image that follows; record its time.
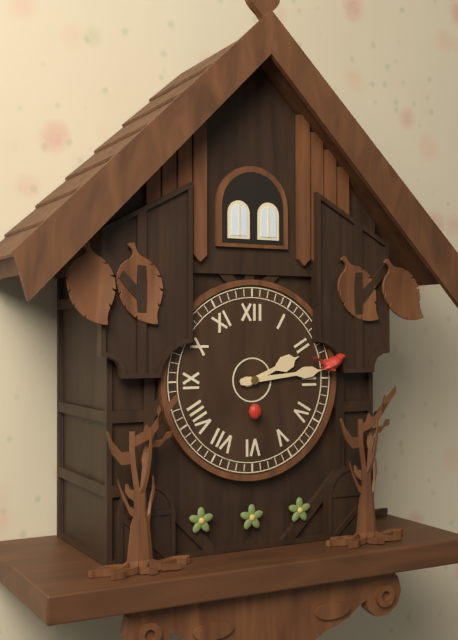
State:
2,14
